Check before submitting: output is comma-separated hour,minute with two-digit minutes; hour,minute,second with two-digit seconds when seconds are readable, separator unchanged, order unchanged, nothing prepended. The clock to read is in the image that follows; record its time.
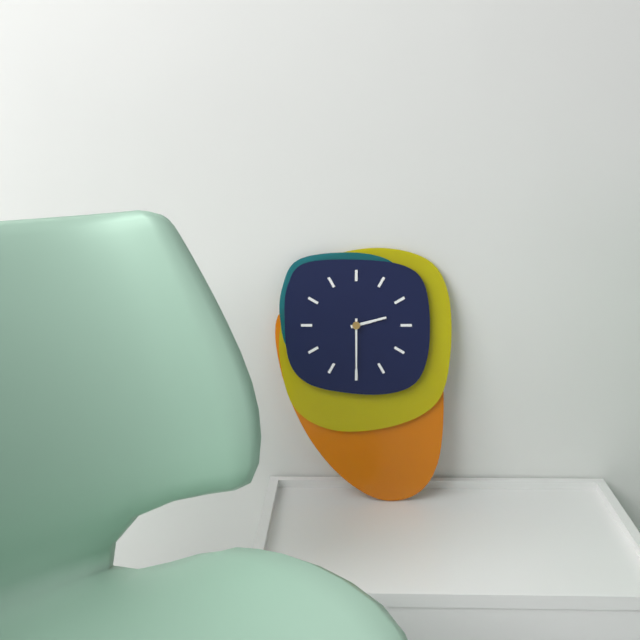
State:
2,30
